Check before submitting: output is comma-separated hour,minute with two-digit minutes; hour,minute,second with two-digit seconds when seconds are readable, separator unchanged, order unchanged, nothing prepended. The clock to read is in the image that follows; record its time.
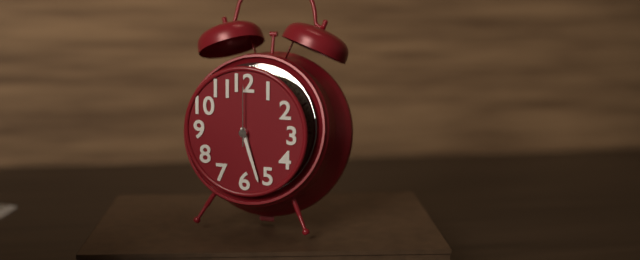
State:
5,27,00
